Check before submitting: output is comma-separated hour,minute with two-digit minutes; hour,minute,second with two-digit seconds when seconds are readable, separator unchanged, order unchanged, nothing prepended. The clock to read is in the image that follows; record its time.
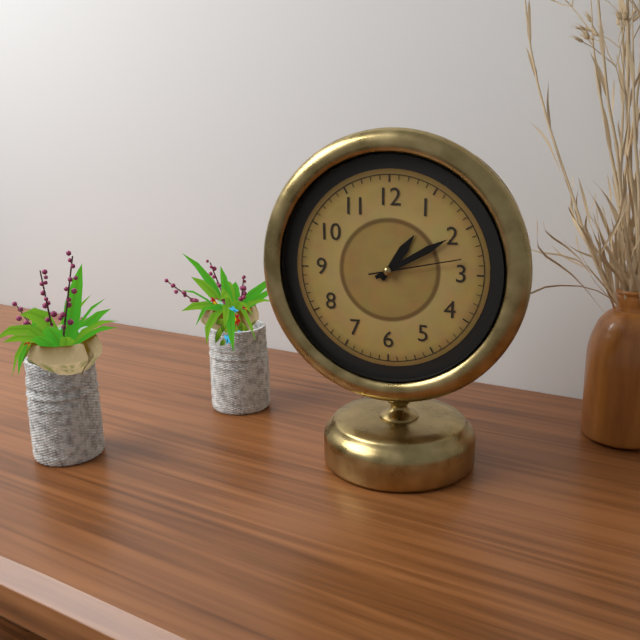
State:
1,10,13
